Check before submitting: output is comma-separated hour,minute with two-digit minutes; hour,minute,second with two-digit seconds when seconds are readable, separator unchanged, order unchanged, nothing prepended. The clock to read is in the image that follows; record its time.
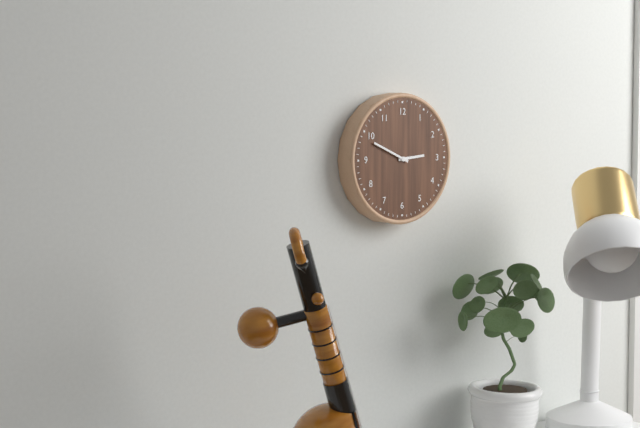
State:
2,49
